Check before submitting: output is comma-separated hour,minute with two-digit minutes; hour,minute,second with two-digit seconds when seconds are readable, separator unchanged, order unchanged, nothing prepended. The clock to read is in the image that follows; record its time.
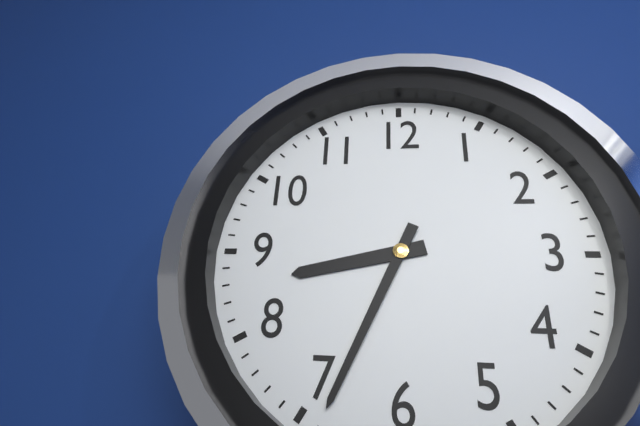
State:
8,34
